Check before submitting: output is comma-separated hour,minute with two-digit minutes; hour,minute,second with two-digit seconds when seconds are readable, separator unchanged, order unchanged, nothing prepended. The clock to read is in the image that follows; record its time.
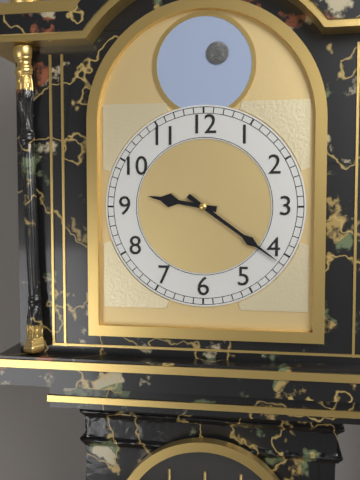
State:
9,21
